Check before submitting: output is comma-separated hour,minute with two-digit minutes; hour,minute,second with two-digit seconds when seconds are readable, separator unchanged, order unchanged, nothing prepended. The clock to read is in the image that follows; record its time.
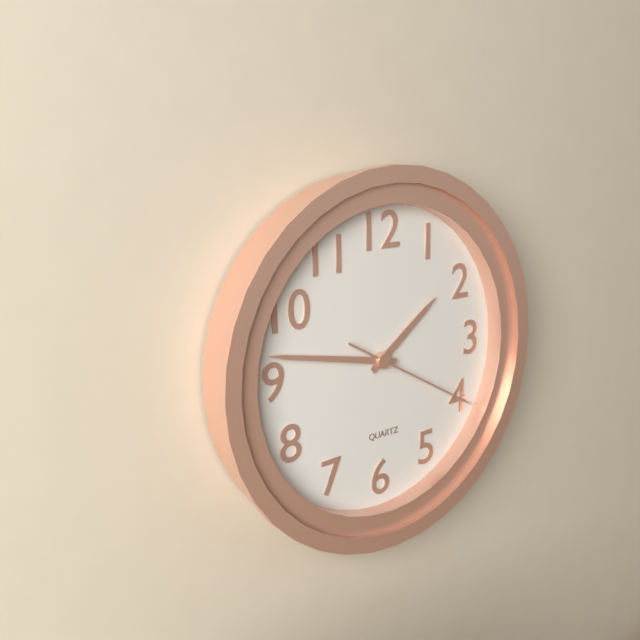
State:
1,47,20
